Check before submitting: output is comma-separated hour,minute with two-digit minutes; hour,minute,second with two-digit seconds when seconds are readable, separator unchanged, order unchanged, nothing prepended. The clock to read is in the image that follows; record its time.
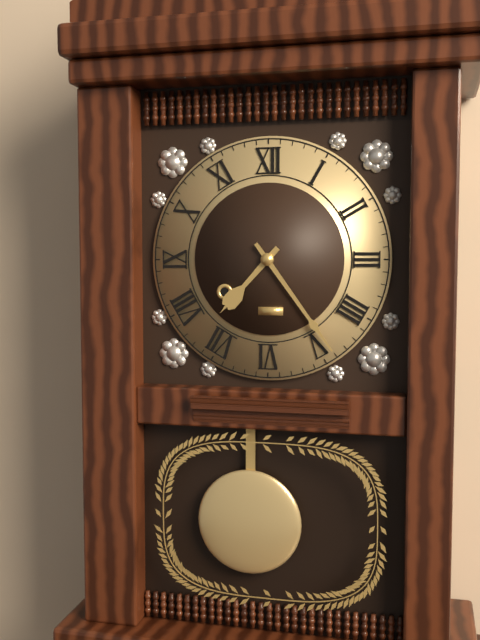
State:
7,24
